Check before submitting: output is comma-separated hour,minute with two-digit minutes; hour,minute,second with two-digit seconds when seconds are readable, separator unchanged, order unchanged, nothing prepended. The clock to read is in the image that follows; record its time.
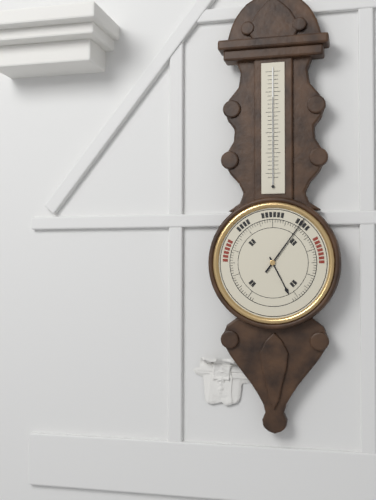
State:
5,06
